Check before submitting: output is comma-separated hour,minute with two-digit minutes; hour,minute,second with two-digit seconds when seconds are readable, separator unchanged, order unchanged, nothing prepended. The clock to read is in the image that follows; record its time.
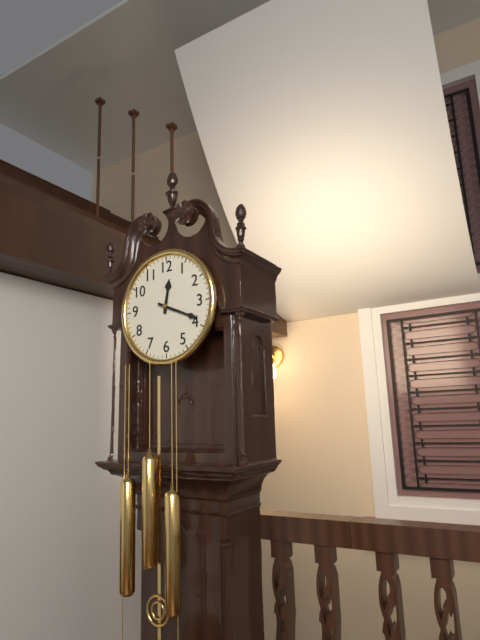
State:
12,19
